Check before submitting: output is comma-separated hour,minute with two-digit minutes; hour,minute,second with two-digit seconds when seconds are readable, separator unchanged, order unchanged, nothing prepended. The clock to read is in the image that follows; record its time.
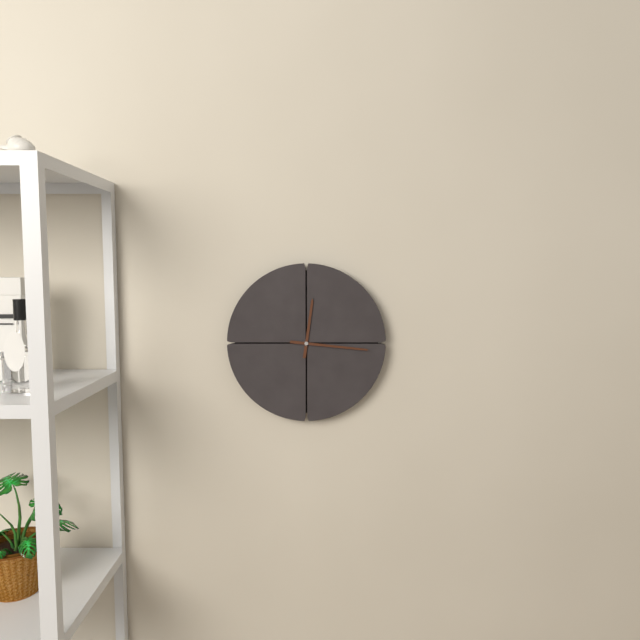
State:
12,16
